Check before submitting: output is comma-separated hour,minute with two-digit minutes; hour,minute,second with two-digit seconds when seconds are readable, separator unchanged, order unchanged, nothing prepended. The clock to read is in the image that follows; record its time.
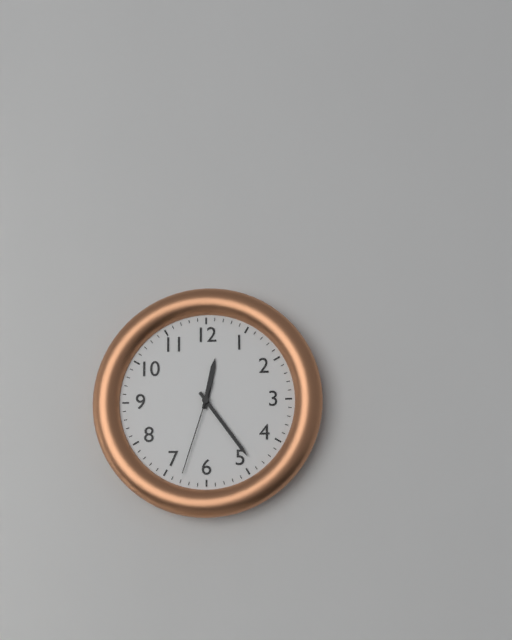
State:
12,24,33
